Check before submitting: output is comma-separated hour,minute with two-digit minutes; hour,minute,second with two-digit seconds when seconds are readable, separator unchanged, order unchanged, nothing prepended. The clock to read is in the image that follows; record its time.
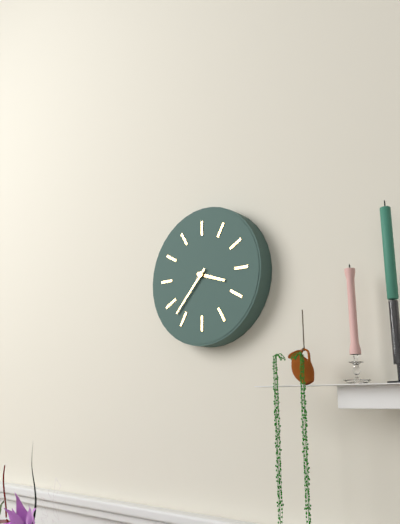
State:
3,37
